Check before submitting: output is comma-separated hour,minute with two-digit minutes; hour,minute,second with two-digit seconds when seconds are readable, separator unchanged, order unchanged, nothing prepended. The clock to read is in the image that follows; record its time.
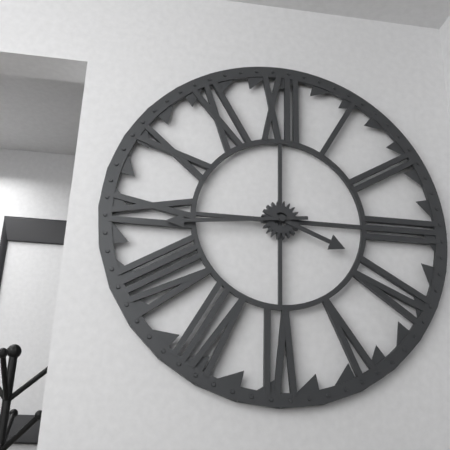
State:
3,44
